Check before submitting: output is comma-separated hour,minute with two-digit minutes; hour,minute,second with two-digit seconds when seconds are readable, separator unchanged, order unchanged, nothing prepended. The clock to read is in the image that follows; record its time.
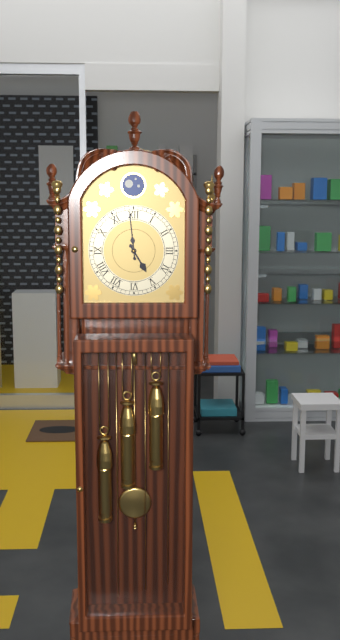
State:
4,59
